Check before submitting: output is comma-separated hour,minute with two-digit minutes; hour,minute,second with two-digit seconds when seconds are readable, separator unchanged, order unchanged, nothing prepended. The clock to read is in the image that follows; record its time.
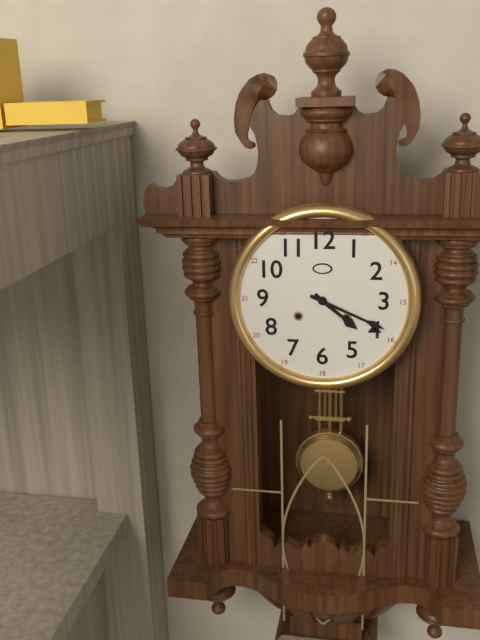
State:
4,19
